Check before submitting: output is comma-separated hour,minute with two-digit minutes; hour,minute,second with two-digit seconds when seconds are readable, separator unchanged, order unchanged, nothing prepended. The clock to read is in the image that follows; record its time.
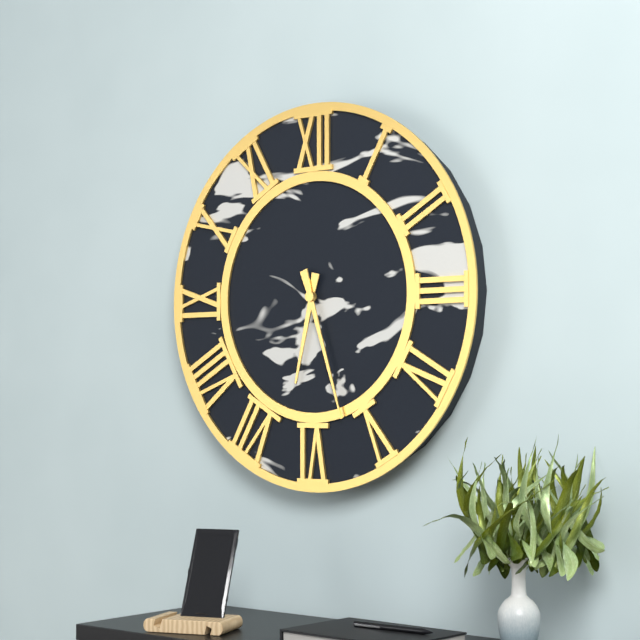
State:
6,27
